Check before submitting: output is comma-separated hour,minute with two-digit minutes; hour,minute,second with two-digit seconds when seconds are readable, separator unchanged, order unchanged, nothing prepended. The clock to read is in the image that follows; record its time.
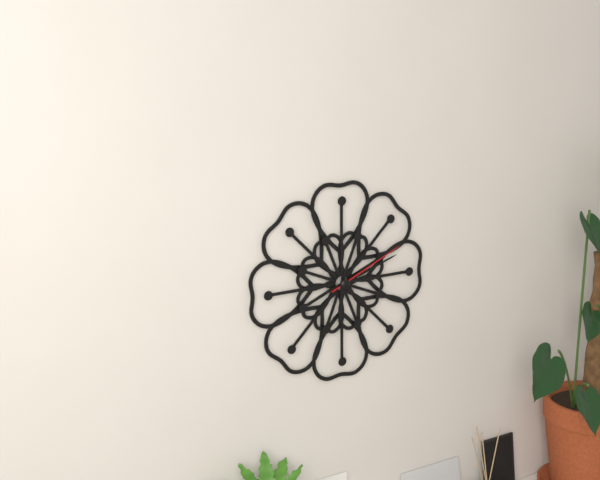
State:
6,12,11
